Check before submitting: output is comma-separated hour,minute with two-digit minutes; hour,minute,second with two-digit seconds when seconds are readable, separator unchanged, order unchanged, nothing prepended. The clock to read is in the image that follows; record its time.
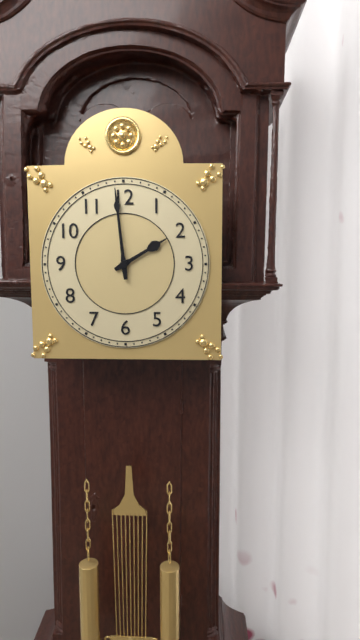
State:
1,59
